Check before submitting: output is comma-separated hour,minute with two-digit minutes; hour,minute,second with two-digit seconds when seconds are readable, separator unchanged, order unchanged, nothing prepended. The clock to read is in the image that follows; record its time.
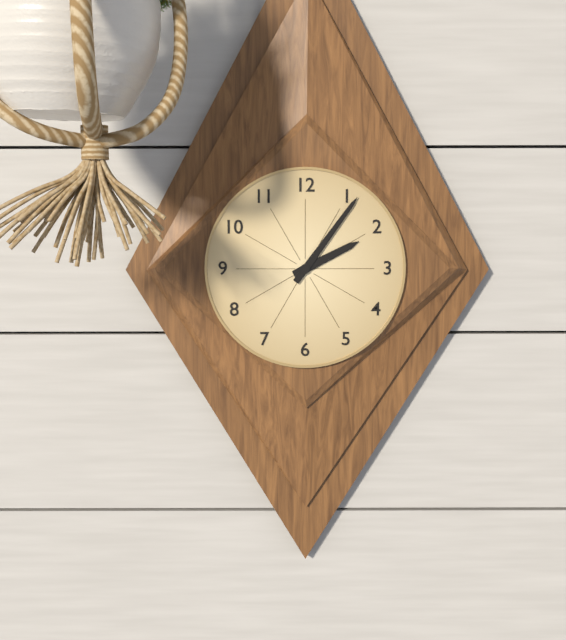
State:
2,06
